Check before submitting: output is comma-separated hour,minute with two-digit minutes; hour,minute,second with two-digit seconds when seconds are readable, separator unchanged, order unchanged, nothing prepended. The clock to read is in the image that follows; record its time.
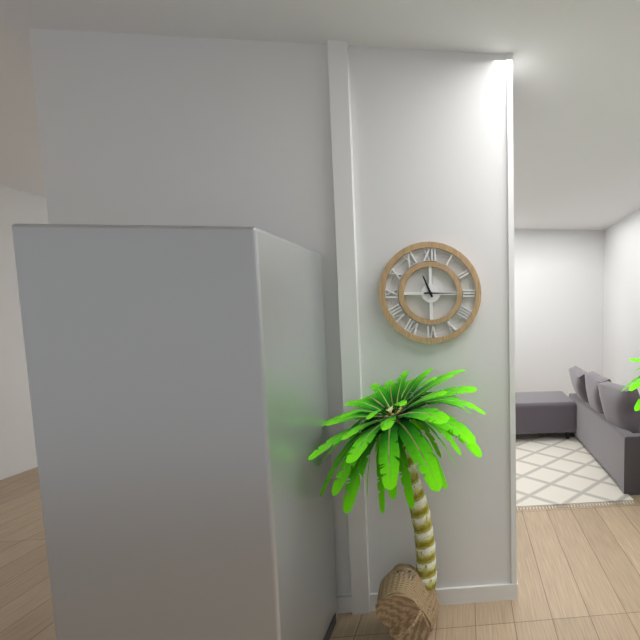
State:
11,15
